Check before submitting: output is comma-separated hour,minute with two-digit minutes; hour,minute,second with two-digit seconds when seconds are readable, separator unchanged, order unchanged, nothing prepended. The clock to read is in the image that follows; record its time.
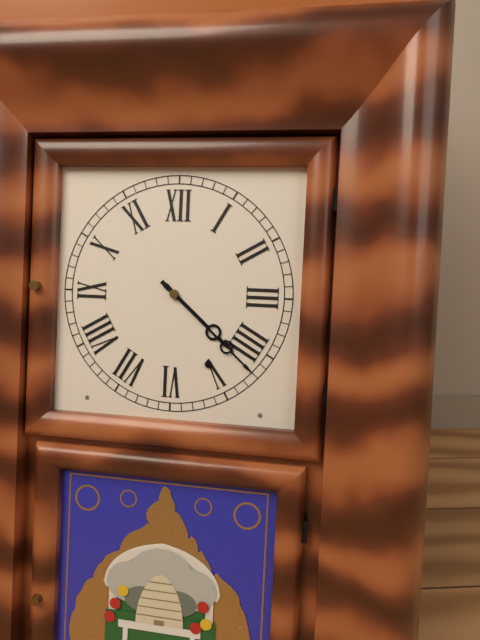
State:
4,22
